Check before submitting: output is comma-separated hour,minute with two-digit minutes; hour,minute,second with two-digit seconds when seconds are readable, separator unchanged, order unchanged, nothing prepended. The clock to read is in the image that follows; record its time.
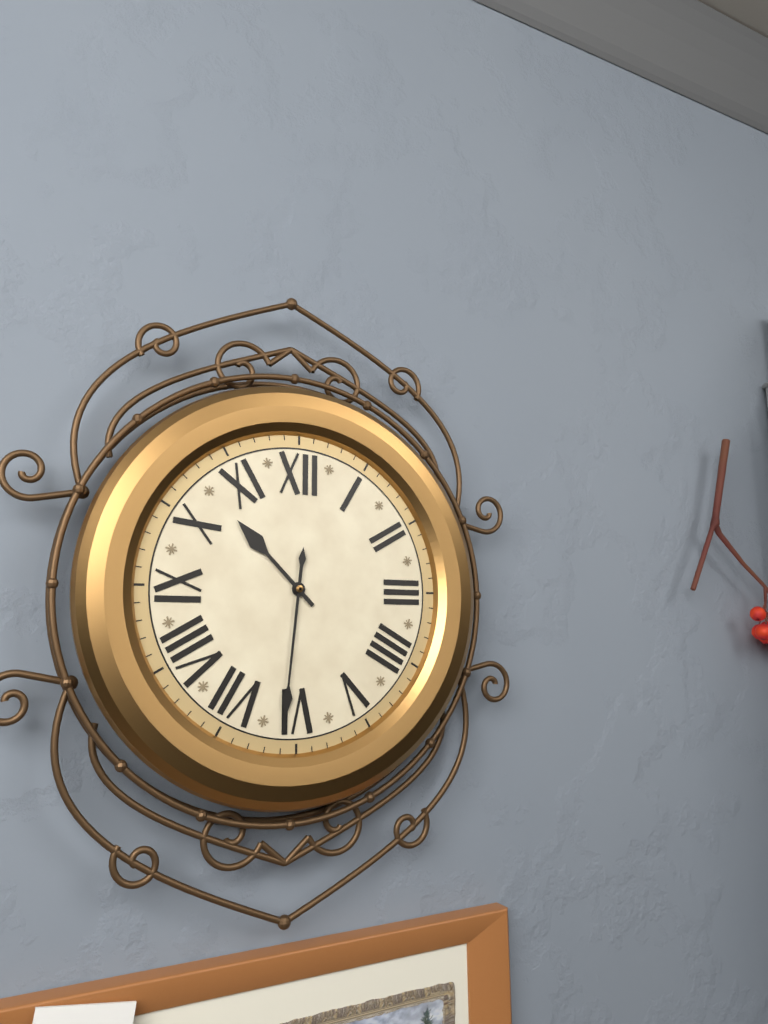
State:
10,31
